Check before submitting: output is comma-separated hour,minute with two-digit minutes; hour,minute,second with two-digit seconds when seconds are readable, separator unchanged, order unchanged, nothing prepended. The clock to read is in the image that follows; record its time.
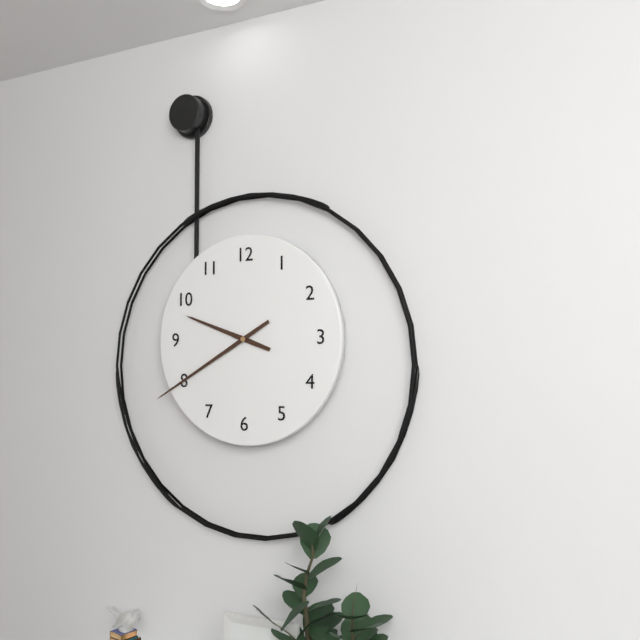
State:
9,40
